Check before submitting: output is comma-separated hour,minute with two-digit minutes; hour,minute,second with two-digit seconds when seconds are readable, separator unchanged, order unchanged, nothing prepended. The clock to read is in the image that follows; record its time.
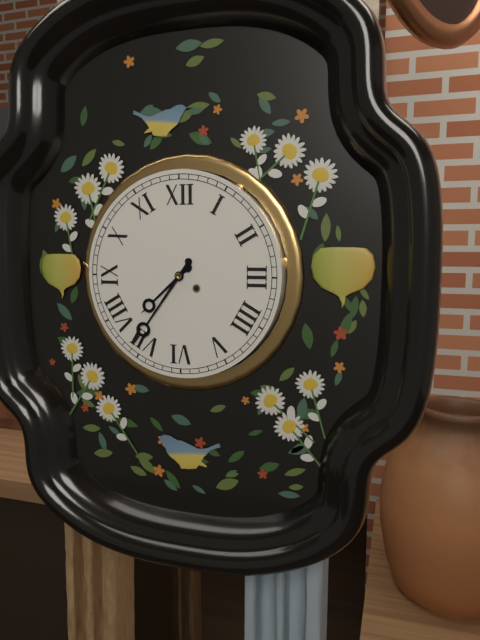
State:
7,36
